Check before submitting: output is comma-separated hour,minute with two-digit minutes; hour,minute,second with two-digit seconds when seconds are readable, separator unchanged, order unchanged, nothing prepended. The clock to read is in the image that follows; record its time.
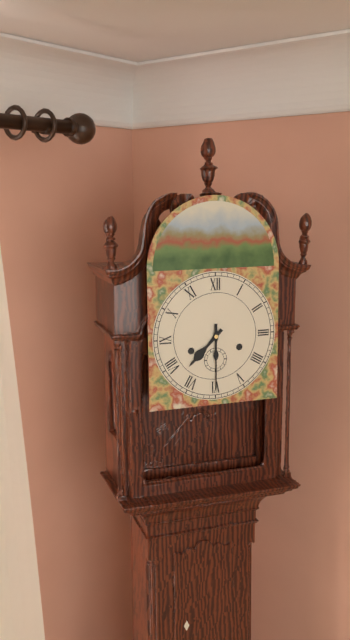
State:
7,30
